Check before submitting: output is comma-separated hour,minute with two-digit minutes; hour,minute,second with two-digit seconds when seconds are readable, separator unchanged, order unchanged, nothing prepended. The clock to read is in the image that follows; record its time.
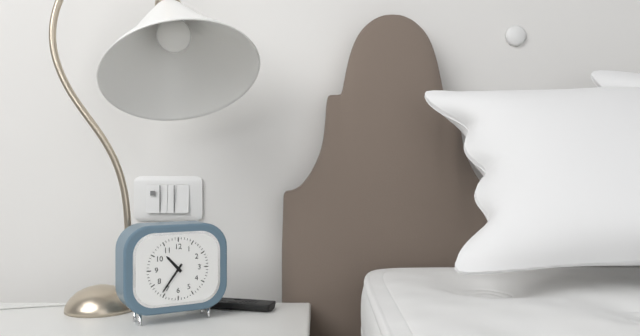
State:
10,36
